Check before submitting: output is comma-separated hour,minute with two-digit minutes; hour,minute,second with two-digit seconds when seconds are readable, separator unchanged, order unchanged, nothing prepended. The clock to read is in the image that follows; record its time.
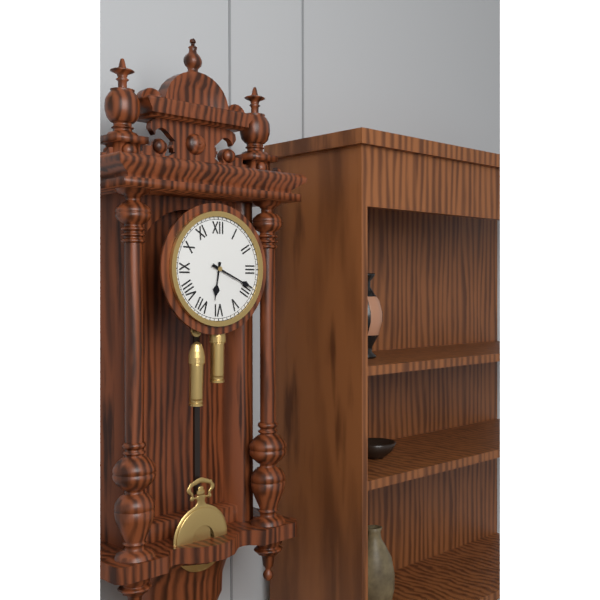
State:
6,19
